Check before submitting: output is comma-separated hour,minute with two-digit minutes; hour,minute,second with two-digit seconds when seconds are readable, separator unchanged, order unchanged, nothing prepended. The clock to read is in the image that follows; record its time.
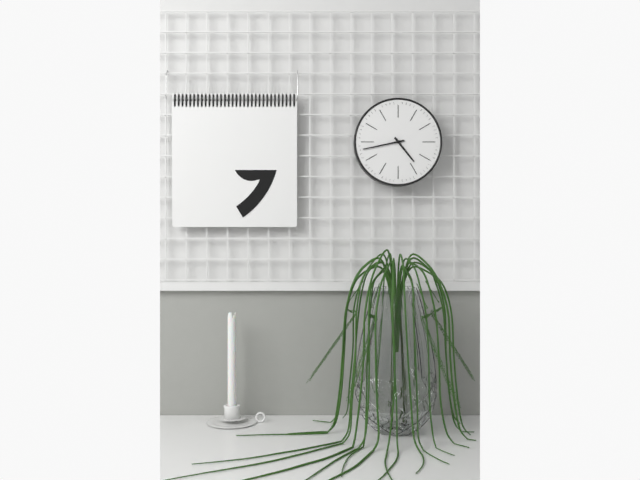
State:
4,43
